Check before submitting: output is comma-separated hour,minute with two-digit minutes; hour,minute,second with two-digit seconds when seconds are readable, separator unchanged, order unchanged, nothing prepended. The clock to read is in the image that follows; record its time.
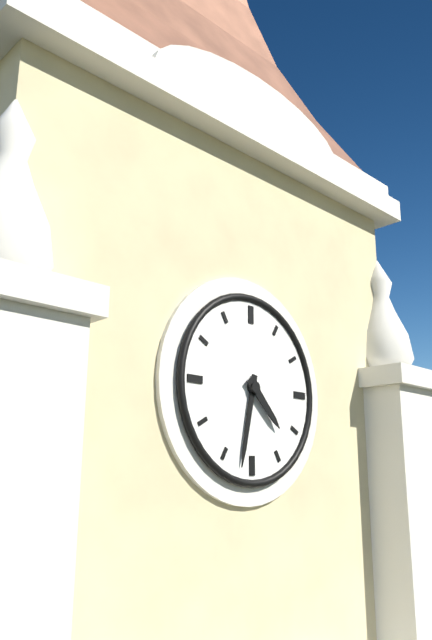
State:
4,32
